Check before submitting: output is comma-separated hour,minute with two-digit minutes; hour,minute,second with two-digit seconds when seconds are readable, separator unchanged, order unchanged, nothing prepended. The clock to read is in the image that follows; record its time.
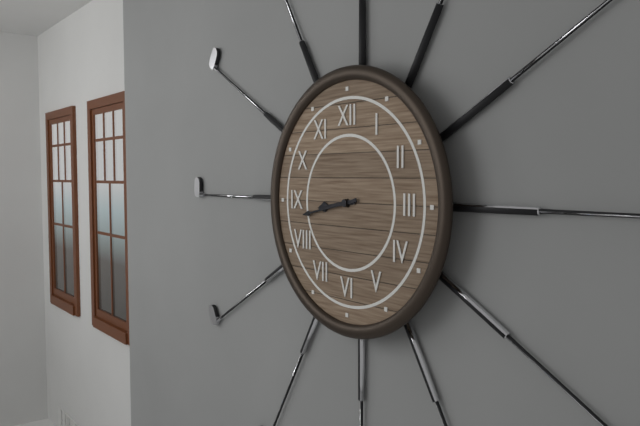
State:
8,43
